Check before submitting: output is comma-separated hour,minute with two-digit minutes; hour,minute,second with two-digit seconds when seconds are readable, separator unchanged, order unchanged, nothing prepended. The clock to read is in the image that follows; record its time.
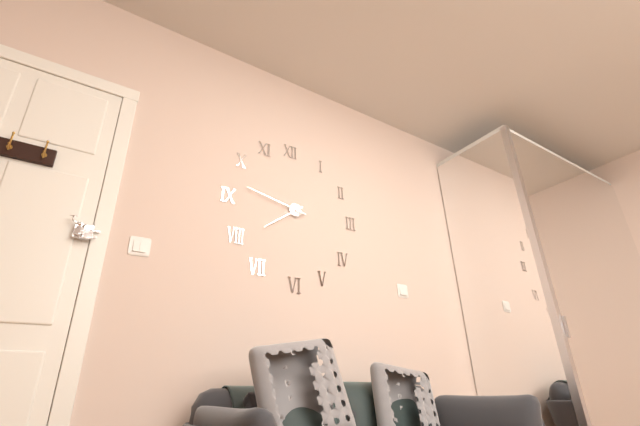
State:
7,47
